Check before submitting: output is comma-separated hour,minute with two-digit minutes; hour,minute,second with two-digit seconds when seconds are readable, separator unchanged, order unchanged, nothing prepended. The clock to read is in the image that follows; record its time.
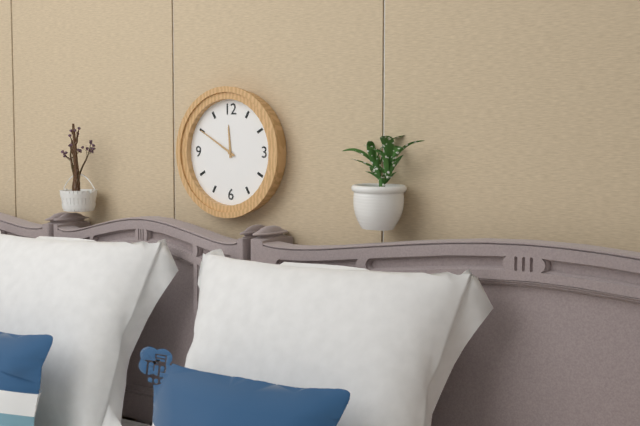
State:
11,50
